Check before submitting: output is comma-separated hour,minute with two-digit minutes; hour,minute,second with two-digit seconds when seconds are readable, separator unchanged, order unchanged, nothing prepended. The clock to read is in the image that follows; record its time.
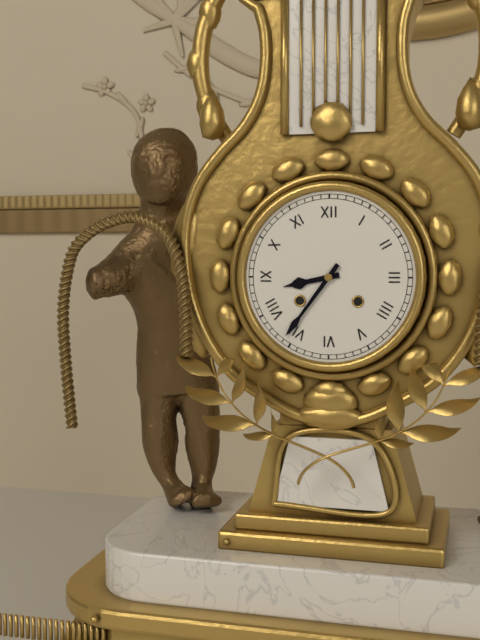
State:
8,36
